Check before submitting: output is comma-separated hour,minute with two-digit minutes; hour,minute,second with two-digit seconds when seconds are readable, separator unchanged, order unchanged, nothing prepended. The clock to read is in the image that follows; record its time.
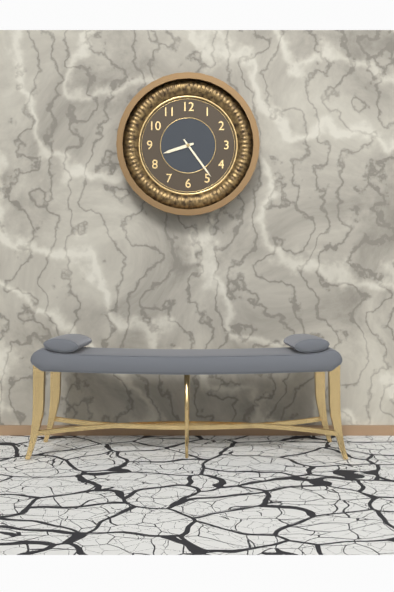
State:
8,24
